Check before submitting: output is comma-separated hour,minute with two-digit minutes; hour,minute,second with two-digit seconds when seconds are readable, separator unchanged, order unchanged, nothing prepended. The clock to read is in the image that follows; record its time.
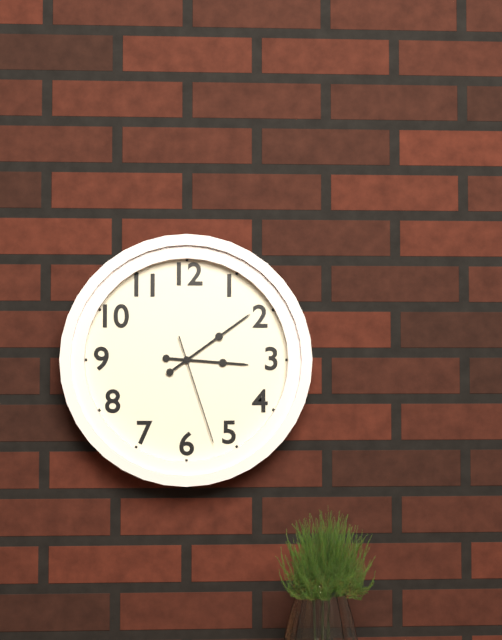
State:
3,09,27
